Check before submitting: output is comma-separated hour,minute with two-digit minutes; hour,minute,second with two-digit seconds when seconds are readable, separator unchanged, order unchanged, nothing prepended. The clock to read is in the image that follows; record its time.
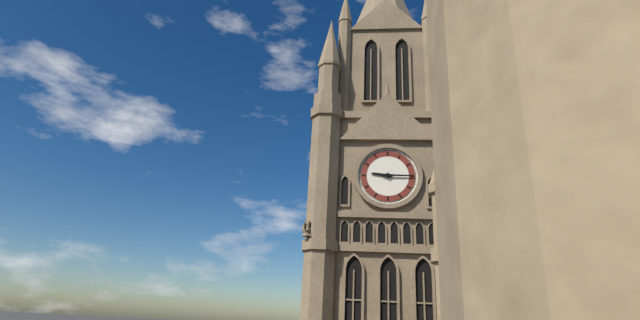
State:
9,15
